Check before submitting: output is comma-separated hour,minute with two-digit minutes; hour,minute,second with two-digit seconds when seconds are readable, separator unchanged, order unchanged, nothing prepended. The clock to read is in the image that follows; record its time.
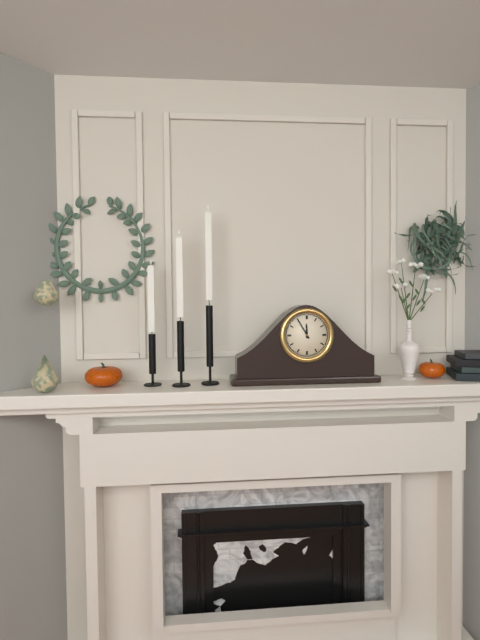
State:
11,55
